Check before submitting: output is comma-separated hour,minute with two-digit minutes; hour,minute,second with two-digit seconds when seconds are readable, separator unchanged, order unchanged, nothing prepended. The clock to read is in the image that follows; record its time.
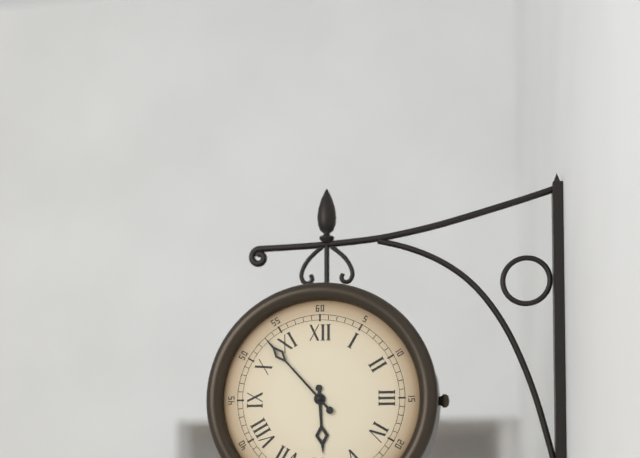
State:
5,53
